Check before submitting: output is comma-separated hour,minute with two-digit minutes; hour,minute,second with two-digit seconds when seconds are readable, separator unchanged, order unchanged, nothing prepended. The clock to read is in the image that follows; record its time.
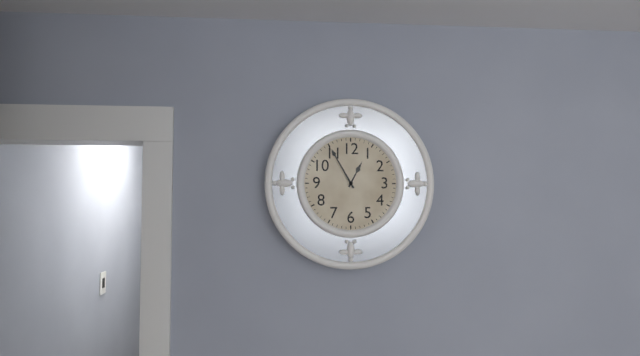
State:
12,55
